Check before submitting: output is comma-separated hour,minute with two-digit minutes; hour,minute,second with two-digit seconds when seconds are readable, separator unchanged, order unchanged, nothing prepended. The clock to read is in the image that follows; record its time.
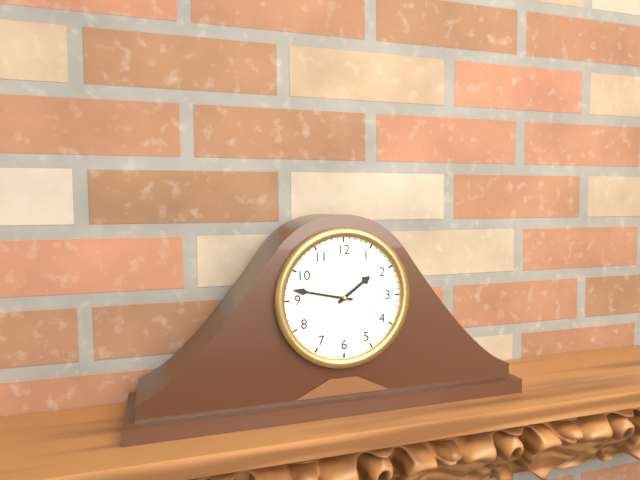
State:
1,47
